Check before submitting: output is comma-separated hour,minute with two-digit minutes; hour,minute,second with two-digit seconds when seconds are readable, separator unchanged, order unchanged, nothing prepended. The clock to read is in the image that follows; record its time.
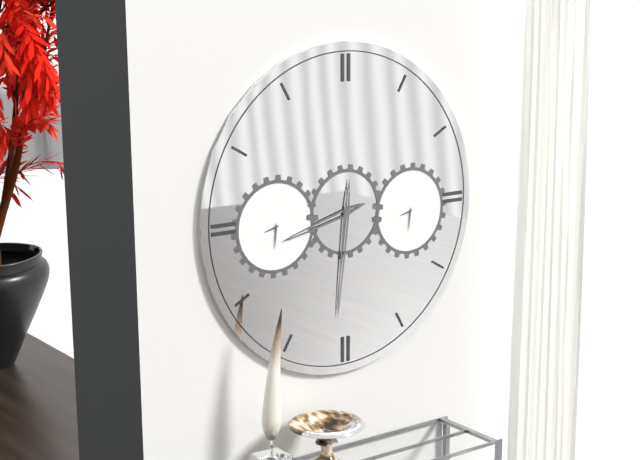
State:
8,31
